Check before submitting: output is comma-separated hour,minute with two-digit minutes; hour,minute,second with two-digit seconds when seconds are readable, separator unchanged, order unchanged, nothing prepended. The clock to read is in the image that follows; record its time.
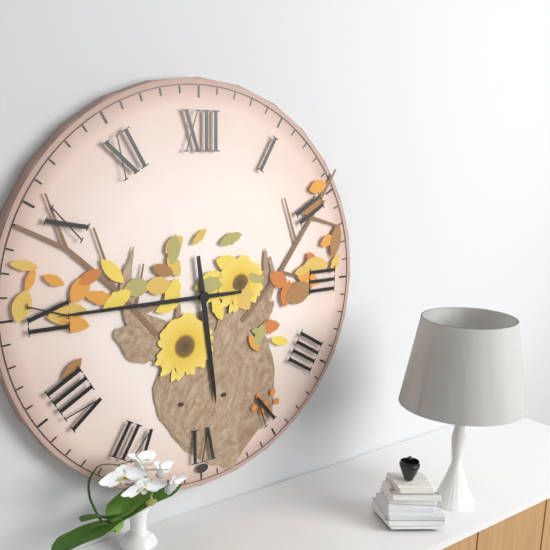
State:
5,45
